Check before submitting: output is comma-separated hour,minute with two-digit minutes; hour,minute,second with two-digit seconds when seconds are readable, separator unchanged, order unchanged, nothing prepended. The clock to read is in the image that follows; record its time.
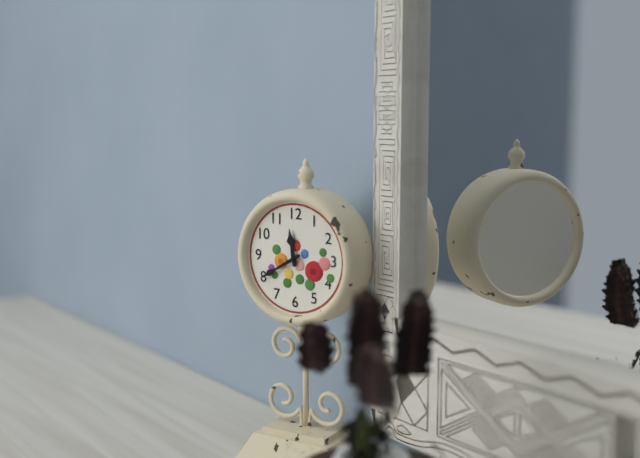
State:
11,40
